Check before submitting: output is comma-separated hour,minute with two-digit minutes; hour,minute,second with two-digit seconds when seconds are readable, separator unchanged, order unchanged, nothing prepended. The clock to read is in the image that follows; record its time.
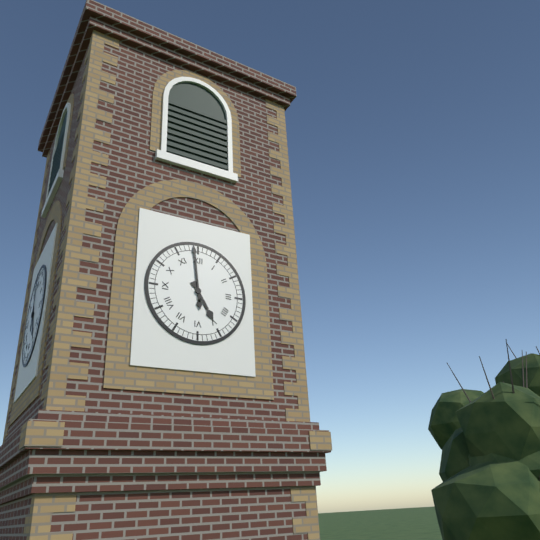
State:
4,59
